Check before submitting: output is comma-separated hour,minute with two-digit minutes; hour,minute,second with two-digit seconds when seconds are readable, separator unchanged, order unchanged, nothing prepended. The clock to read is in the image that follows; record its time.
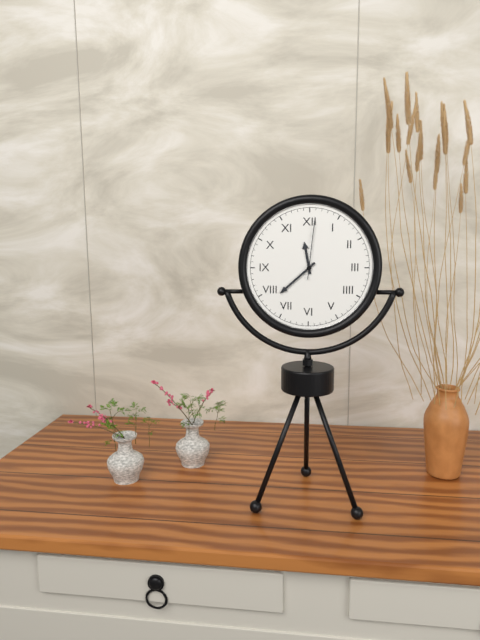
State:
11,38,01
